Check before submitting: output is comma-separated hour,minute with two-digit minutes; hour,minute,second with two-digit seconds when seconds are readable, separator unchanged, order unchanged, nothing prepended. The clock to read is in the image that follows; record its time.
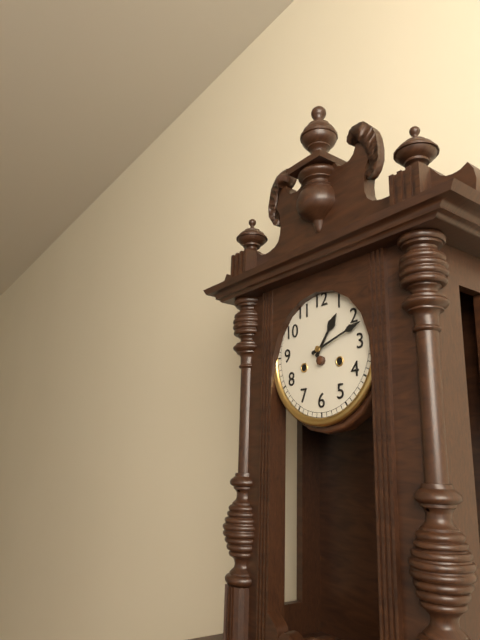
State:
1,12
